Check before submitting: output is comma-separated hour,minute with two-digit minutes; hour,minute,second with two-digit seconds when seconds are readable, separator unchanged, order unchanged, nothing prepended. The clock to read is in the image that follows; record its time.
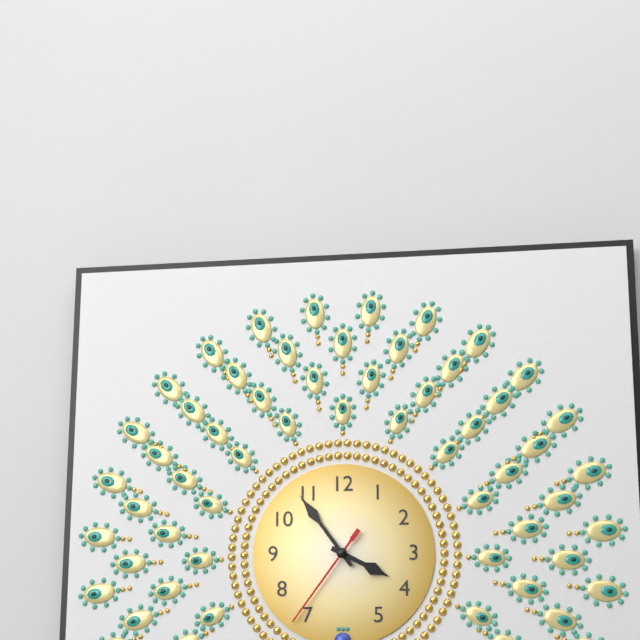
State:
3,54,36
